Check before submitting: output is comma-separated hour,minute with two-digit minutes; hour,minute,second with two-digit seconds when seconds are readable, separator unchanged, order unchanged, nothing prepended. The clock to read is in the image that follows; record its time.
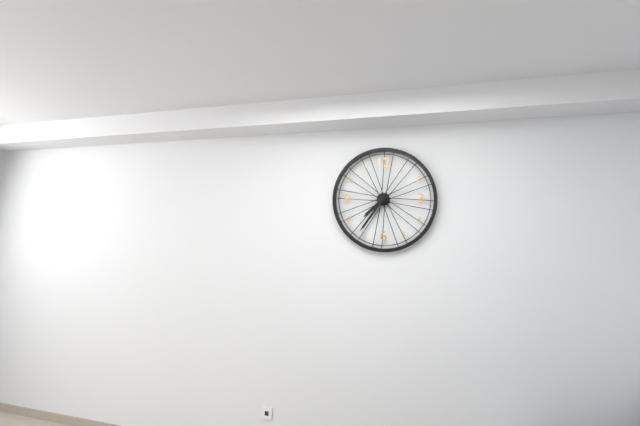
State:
7,36
